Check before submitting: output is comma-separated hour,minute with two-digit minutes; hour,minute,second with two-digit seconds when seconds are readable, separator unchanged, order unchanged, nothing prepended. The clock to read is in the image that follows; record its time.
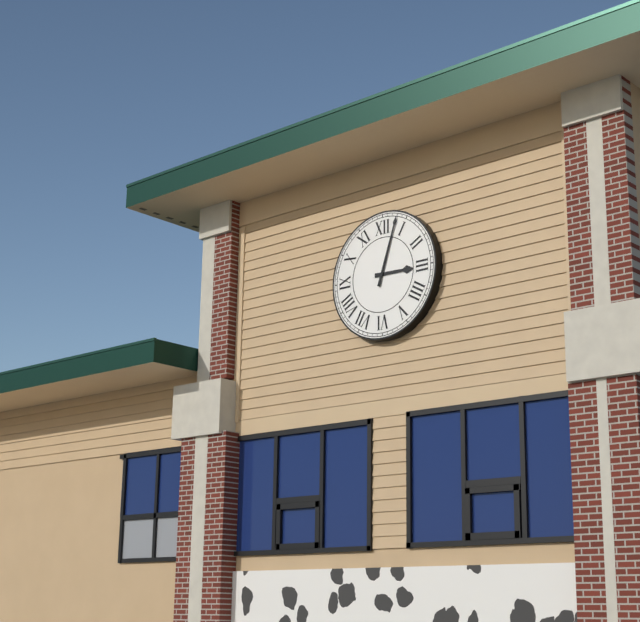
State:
3,03
